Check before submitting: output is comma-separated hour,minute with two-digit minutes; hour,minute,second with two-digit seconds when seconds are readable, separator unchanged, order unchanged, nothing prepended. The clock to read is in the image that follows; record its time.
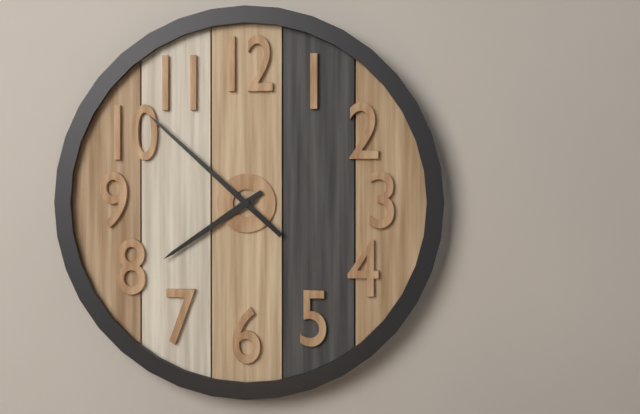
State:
7,52
